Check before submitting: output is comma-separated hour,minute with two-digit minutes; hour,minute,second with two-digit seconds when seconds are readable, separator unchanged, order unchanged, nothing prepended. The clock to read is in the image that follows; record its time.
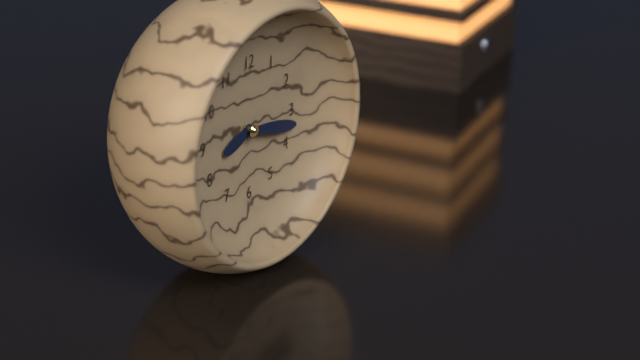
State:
8,17
